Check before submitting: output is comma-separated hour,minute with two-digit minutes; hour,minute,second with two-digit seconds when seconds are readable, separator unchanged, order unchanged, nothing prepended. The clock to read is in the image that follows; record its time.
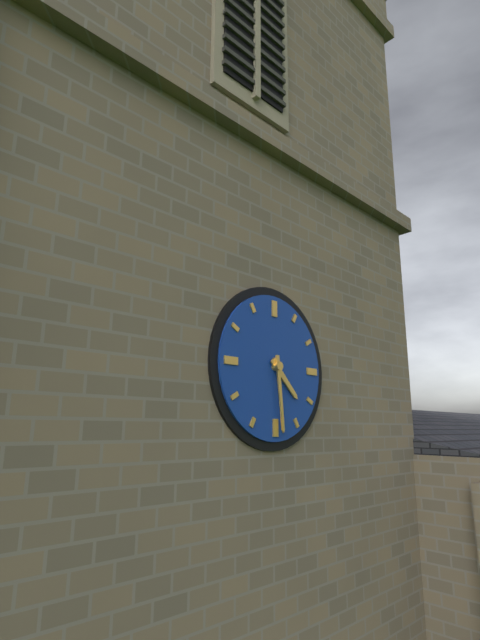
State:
4,29
